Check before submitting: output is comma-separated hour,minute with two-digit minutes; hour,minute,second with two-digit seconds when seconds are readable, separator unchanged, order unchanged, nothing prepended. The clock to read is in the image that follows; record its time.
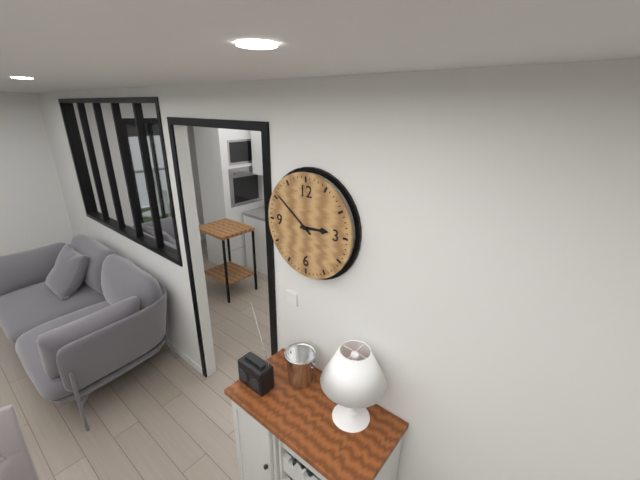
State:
2,51
